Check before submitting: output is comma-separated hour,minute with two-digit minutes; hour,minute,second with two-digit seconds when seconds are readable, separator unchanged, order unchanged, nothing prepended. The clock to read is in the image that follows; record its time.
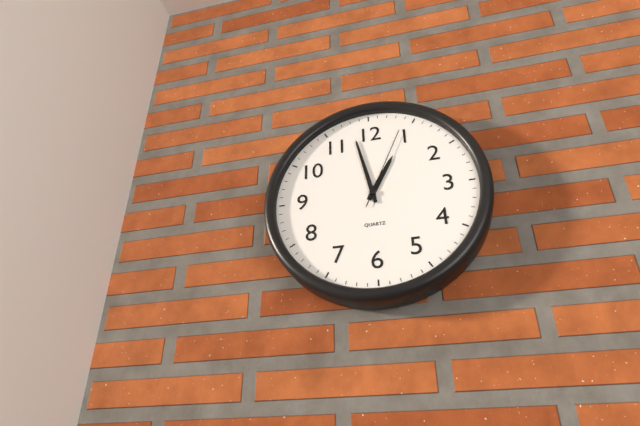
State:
12,58,04
